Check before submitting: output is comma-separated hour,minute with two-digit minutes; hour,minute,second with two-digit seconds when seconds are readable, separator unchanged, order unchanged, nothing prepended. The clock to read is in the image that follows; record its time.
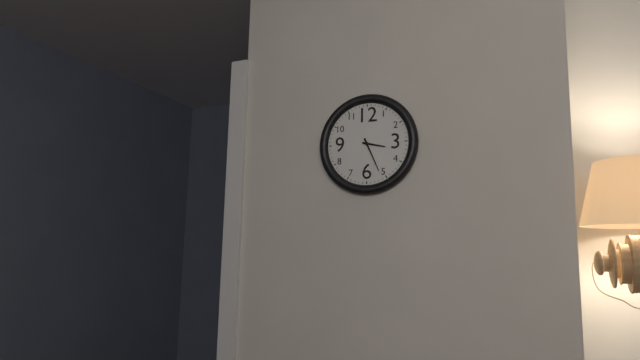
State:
3,26
